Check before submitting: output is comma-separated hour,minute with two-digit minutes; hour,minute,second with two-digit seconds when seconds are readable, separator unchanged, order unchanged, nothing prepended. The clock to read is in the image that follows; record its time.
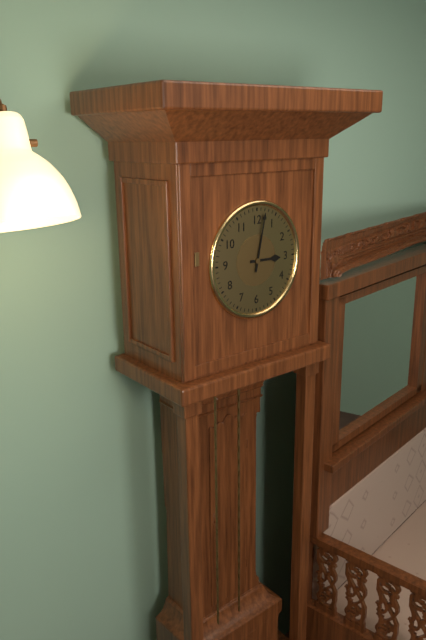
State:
3,02
